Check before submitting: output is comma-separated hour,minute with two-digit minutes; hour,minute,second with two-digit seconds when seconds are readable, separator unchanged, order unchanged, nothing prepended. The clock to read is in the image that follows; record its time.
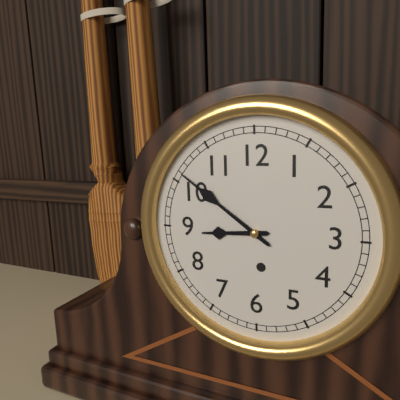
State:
8,51
